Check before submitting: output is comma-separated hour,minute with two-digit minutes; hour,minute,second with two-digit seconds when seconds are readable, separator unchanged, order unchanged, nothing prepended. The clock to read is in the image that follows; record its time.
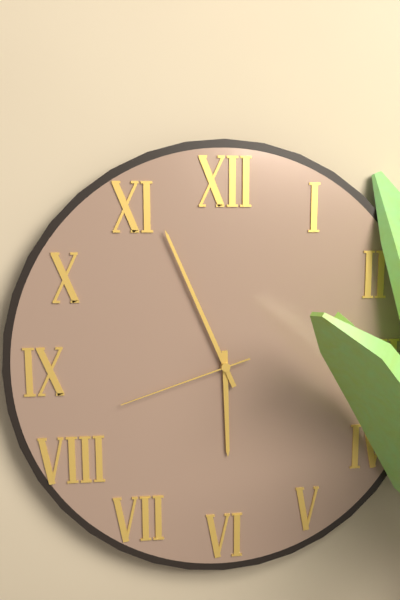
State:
5,56,42
